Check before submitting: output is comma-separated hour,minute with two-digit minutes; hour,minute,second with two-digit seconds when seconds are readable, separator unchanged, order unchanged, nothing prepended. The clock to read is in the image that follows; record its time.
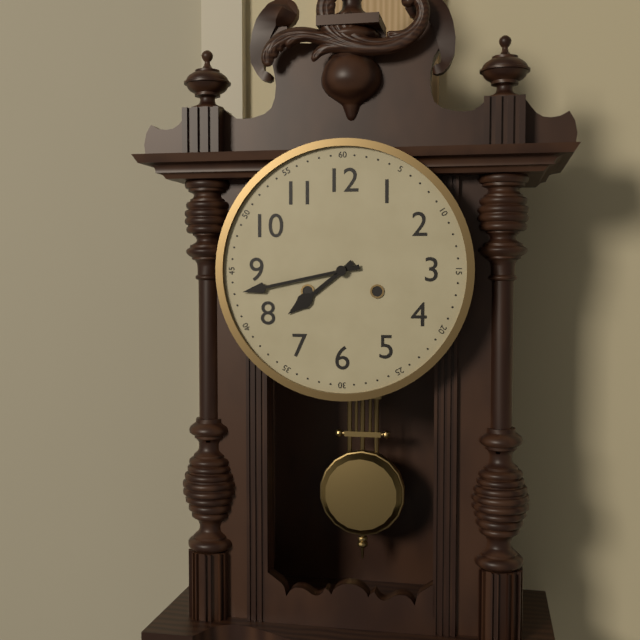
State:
7,43
